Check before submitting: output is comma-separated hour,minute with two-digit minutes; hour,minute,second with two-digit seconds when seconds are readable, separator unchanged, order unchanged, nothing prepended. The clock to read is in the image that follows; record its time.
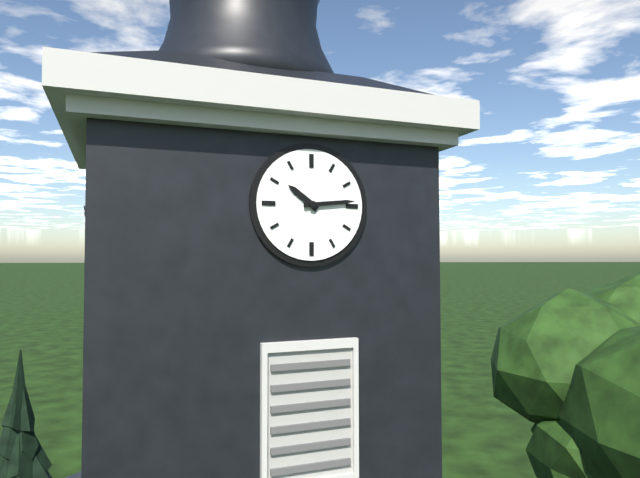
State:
10,14
